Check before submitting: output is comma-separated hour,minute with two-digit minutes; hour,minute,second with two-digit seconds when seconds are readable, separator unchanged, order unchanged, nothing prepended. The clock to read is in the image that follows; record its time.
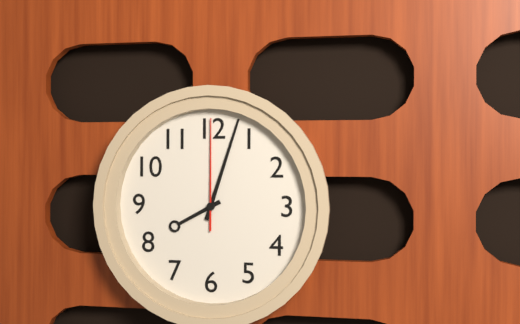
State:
8,03,00
